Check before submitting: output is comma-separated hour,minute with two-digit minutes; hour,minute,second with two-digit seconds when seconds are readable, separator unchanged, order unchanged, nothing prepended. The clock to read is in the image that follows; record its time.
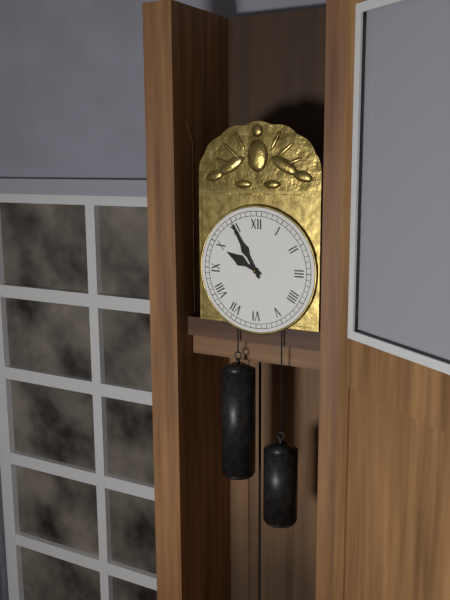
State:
9,55
